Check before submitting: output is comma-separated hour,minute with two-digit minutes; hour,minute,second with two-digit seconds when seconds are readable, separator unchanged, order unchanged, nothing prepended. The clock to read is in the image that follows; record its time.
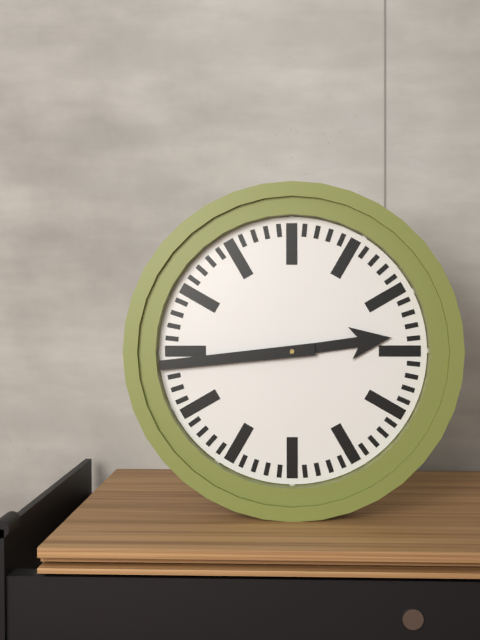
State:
2,44
